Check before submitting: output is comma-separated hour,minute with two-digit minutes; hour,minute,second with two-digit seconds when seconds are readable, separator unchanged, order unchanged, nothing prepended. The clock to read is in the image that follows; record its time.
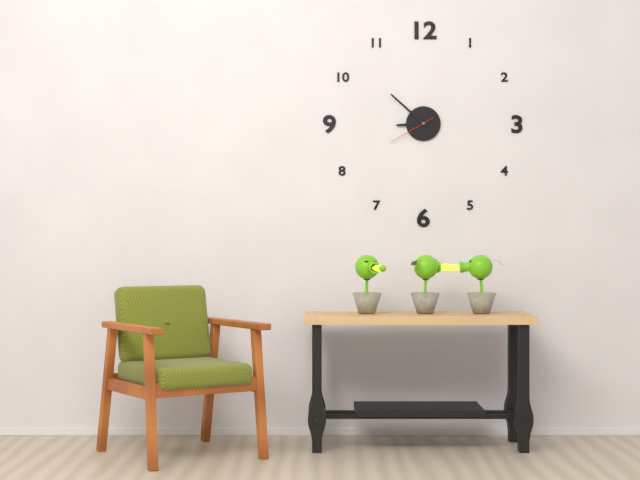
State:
8,52
